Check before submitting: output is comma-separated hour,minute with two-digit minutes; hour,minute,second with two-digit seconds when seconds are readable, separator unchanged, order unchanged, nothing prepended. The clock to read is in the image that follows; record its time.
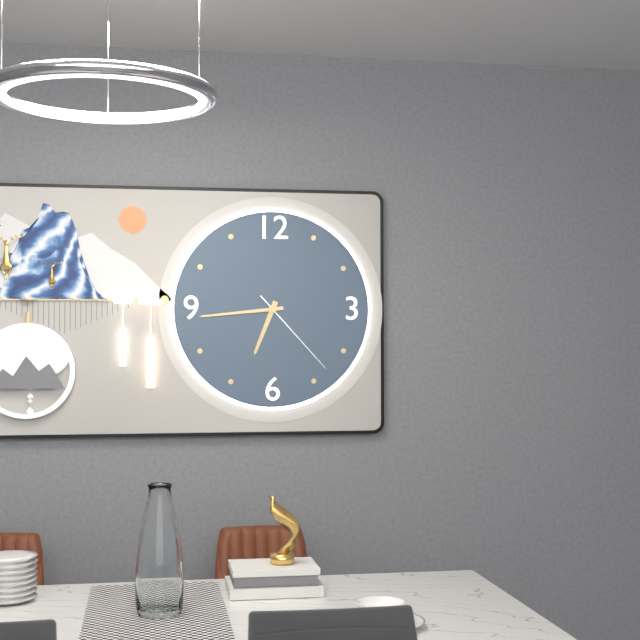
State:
6,44,23
